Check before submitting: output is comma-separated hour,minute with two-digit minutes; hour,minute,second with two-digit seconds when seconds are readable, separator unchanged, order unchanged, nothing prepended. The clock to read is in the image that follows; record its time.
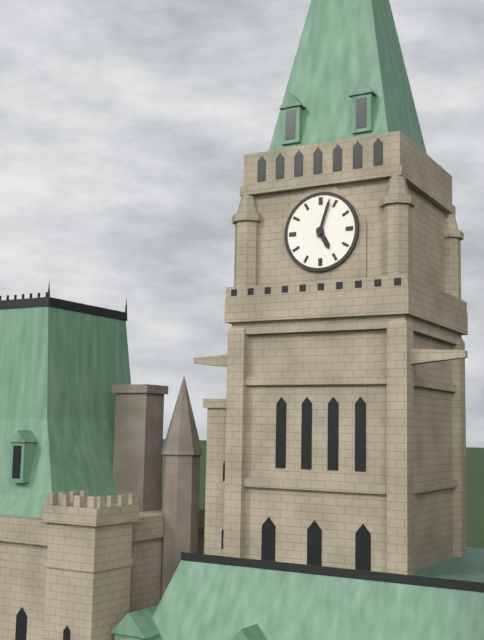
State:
5,03
